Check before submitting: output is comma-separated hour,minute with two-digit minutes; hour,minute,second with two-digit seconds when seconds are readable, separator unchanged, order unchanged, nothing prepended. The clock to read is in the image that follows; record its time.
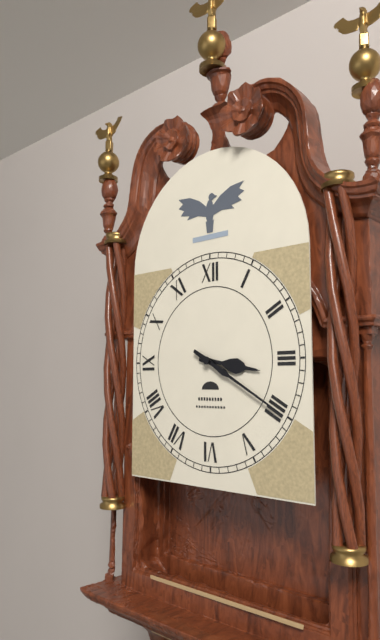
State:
3,20
